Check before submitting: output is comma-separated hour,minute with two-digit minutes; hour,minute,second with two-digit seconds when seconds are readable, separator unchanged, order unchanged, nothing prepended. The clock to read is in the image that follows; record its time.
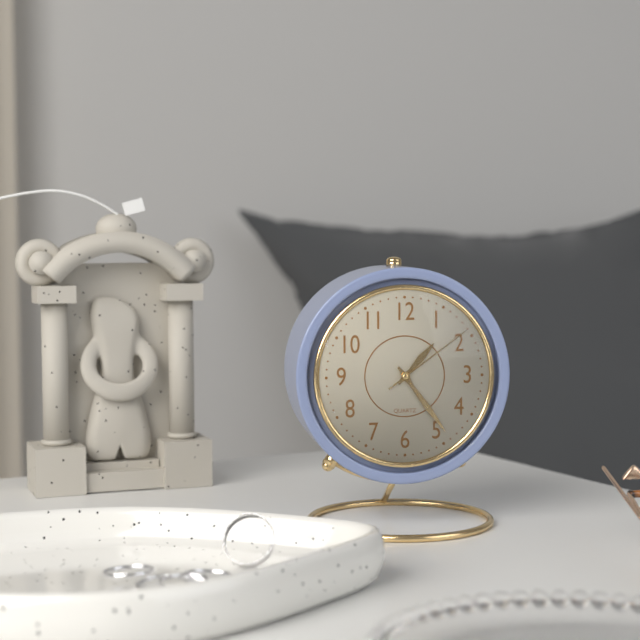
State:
1,24,09
